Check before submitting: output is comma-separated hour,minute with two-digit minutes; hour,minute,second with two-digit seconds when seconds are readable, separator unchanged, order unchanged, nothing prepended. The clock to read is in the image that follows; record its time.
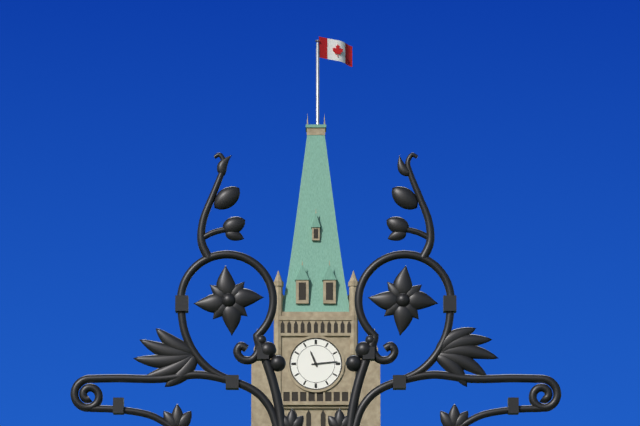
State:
11,14
